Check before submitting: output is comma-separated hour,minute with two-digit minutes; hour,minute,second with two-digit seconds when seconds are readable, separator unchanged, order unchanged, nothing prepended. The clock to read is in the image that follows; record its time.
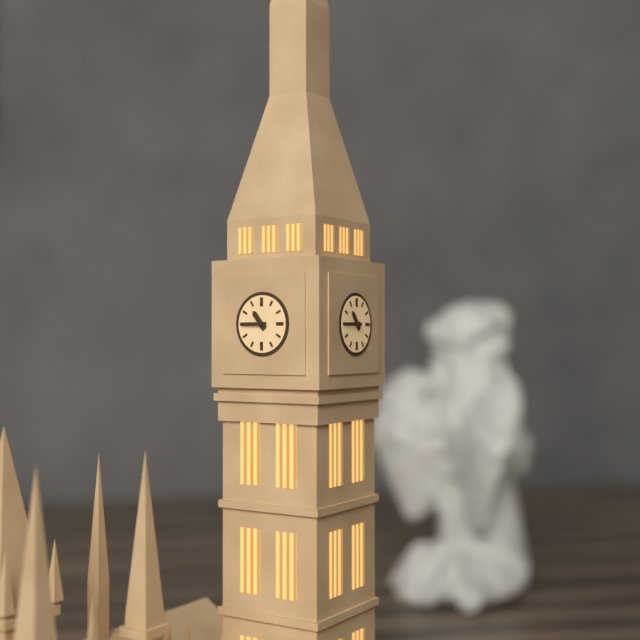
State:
10,45
